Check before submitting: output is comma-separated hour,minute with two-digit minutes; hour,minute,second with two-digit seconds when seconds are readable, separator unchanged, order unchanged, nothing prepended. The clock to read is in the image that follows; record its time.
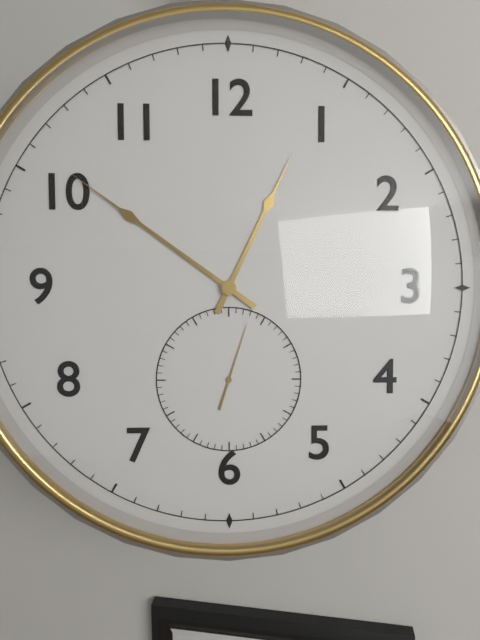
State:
12,51,03
